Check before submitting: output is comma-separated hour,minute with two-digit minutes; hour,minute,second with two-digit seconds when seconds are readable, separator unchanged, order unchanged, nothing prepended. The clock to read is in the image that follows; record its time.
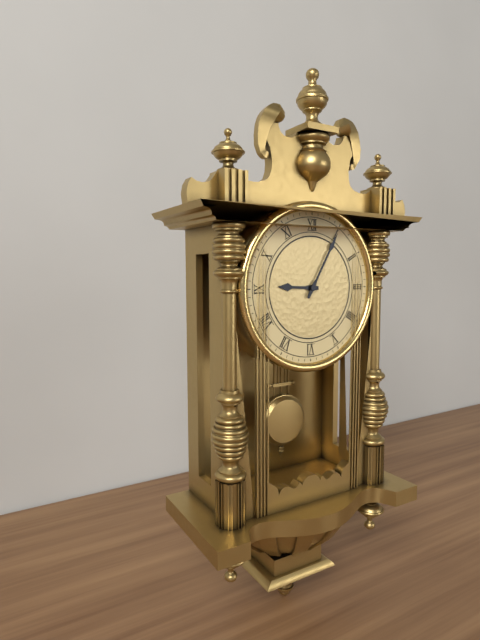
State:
9,05
